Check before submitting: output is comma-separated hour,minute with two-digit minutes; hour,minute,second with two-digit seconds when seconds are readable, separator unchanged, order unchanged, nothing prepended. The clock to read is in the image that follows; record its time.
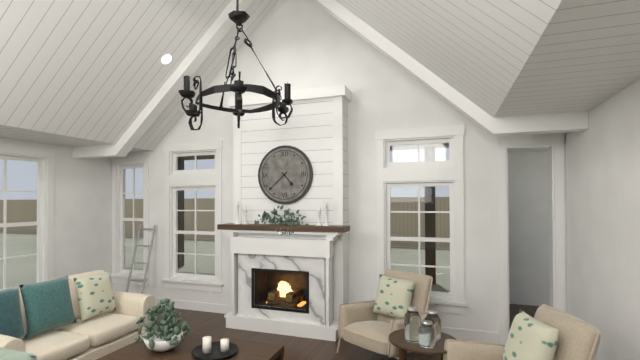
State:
4,38
